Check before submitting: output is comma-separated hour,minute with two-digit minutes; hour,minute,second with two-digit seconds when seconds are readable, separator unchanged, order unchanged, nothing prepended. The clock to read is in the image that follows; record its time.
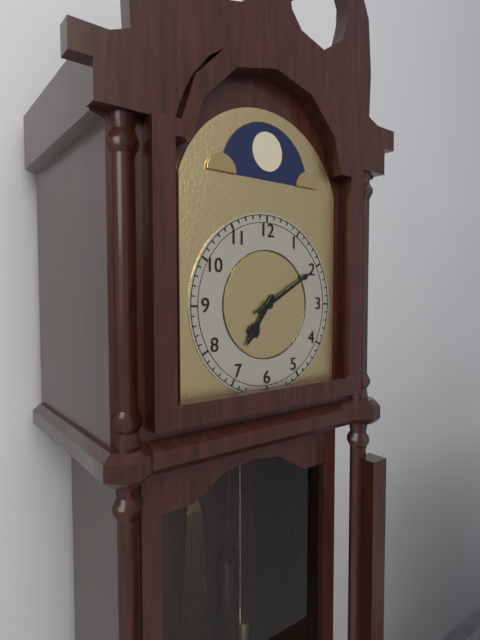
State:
7,10
